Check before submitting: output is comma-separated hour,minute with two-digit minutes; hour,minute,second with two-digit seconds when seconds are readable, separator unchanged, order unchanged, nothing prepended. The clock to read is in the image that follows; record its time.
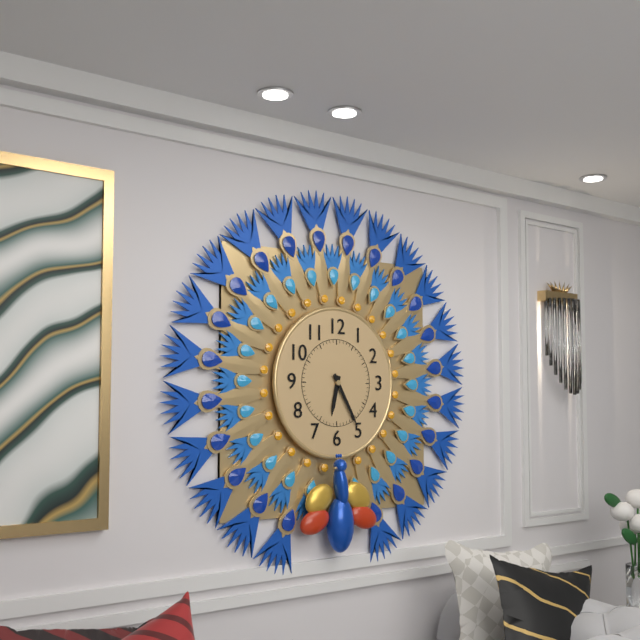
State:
6,25
